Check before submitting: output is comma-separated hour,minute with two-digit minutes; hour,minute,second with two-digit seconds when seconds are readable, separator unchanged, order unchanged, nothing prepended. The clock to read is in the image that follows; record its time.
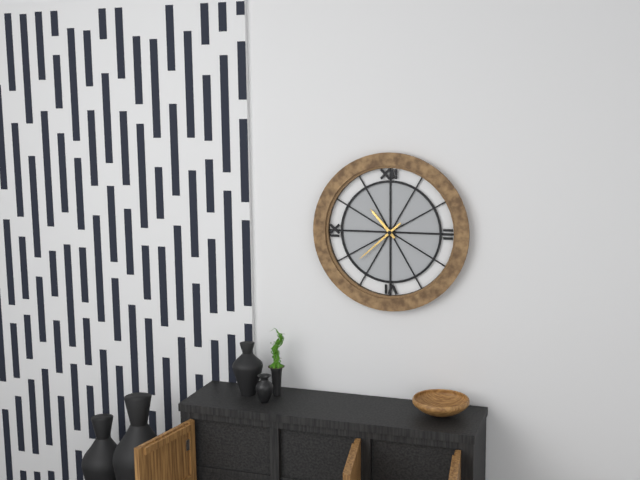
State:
10,38
